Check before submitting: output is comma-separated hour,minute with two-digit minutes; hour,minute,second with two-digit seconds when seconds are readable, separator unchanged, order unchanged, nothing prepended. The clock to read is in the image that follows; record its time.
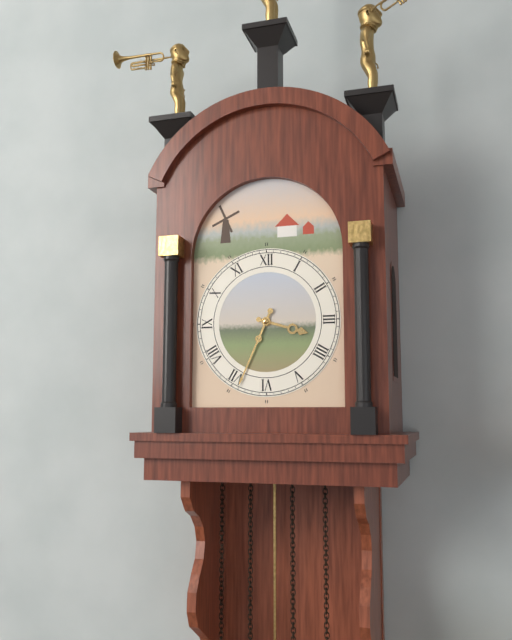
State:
3,34
